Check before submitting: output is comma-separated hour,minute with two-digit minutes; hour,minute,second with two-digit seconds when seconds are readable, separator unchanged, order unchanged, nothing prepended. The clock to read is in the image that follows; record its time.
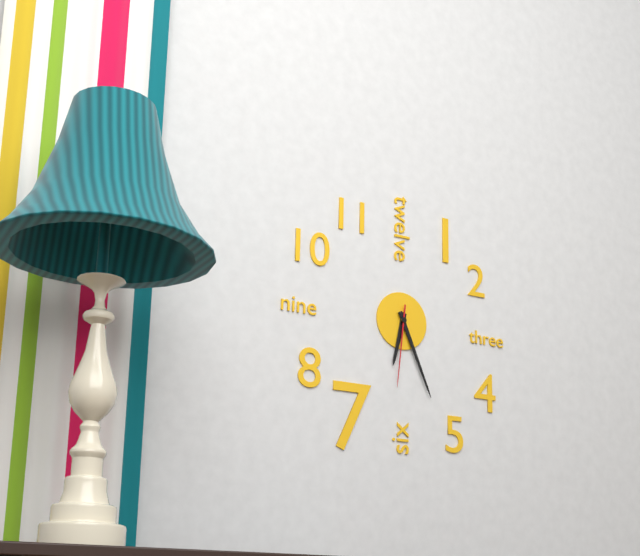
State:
6,26,31
